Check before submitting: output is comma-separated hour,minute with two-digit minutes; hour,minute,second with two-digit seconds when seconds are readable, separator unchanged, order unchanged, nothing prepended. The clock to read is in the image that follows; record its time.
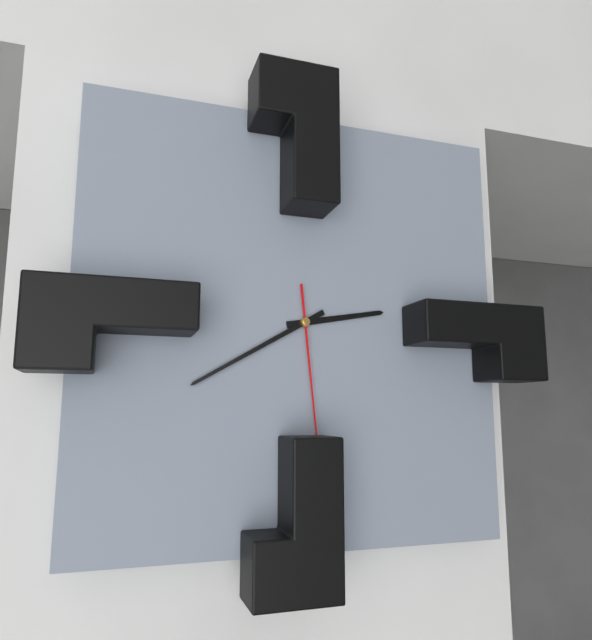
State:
2,40,29
